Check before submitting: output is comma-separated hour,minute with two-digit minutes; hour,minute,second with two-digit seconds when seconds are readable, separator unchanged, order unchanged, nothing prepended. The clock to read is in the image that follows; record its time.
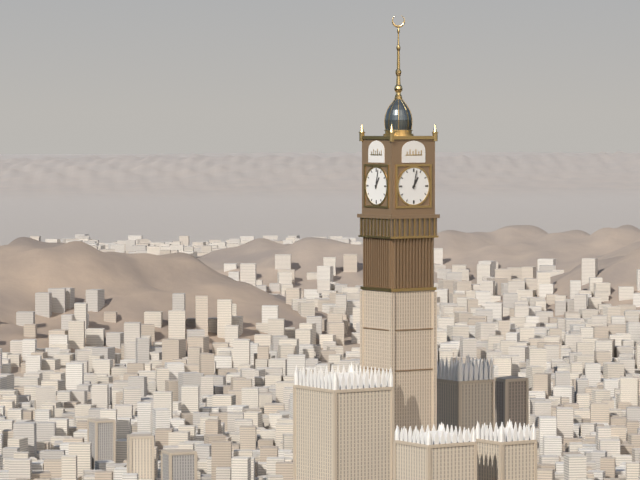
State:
1,02
